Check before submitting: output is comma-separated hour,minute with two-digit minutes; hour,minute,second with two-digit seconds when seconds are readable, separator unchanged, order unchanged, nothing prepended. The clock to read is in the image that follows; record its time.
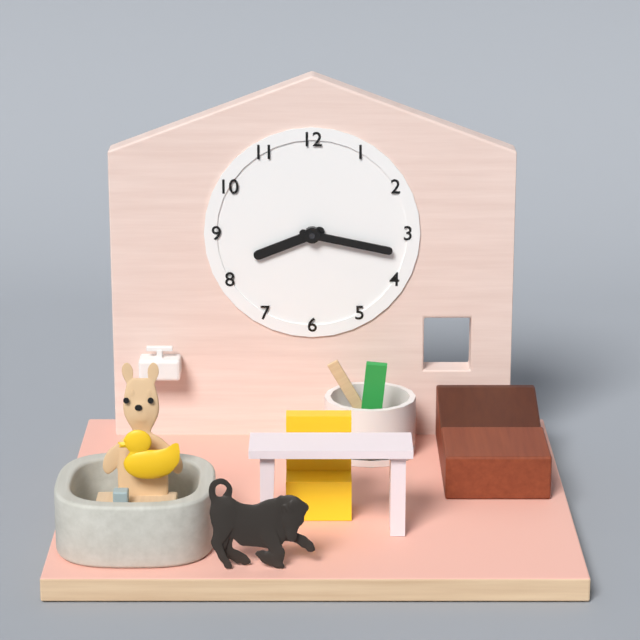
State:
8,17
